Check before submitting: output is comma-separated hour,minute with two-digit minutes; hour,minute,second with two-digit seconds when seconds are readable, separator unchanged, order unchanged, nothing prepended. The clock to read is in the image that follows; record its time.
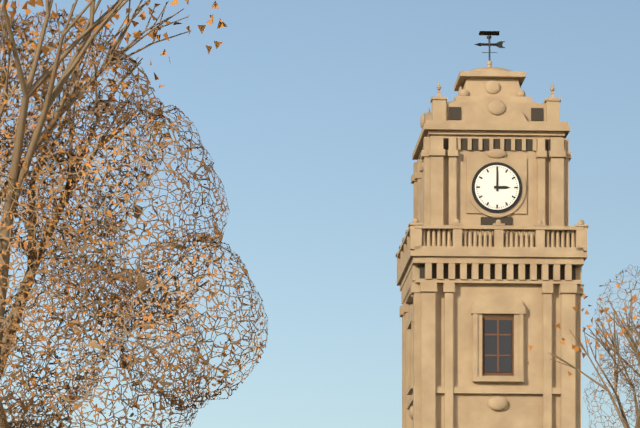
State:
3,00
